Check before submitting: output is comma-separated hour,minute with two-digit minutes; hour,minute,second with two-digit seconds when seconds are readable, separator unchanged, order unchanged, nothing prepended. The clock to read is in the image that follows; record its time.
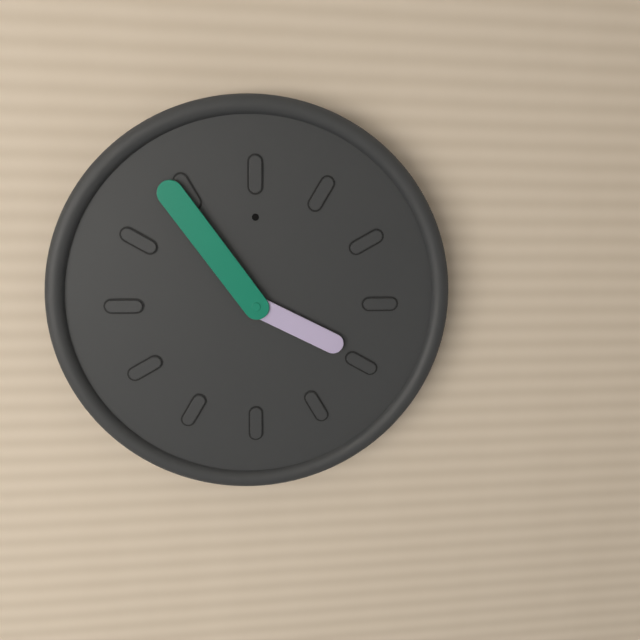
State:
3,54
